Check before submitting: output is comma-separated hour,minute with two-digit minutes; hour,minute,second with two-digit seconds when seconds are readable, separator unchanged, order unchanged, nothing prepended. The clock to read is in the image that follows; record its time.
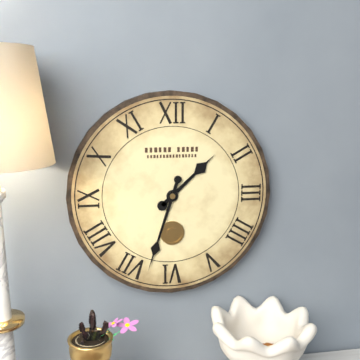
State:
1,33
